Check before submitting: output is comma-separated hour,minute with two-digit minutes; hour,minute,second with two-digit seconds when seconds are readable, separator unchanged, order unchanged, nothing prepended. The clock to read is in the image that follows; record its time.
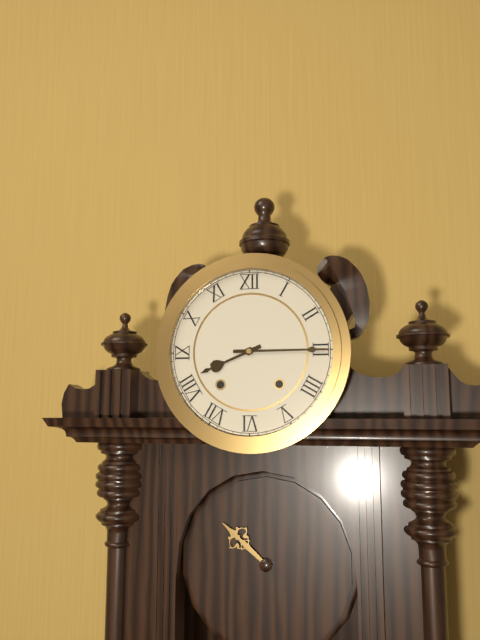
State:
8,15
